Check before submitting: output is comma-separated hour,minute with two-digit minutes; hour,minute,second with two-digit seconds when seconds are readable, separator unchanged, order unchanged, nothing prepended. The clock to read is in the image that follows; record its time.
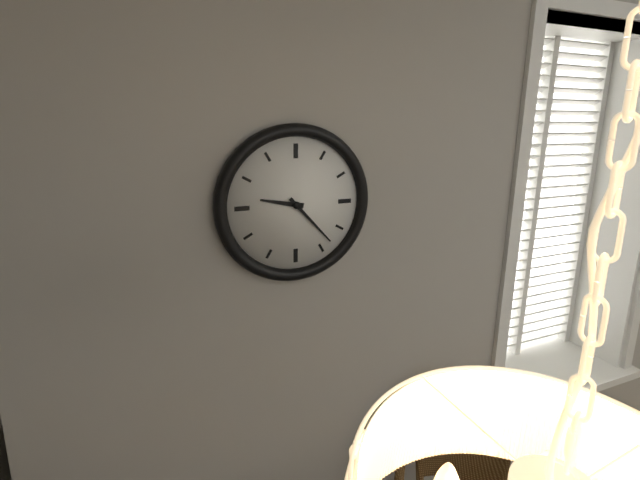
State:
9,23
